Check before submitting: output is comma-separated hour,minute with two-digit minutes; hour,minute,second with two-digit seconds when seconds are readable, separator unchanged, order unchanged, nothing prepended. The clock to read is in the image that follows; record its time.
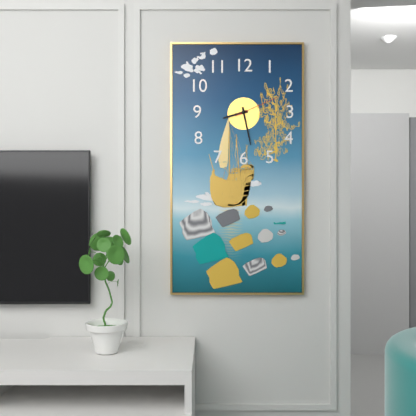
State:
8,28
